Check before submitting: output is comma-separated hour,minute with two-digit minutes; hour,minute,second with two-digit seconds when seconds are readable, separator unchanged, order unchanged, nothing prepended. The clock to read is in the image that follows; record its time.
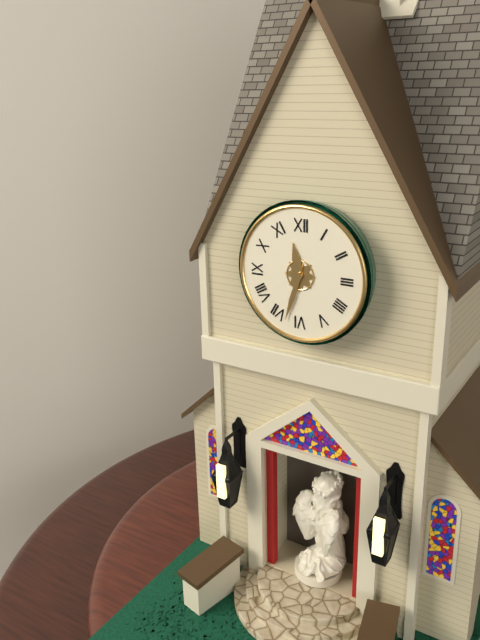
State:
11,33
